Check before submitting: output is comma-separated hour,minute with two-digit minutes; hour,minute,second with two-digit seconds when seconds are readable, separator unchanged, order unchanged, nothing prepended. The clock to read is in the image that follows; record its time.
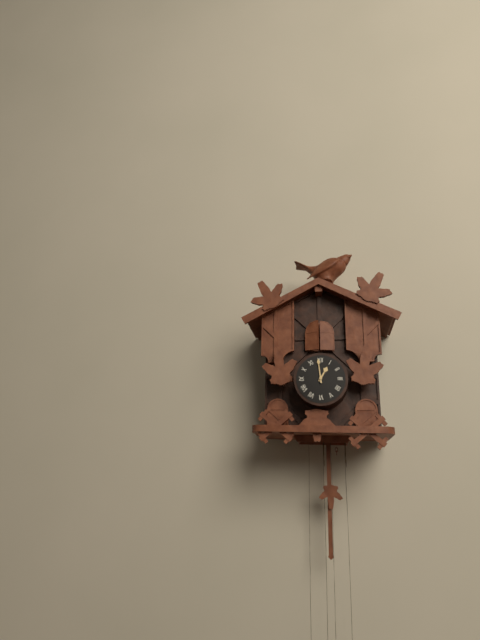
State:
12,59
